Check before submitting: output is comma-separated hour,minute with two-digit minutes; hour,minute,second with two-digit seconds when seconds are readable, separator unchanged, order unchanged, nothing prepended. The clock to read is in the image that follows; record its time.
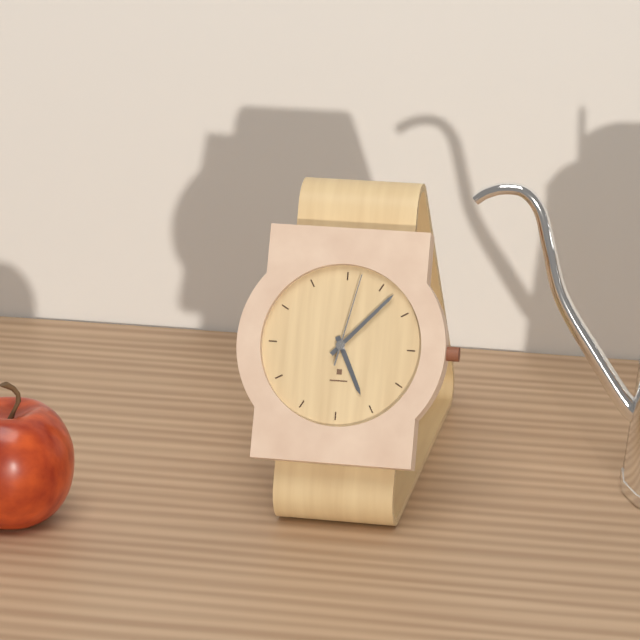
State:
5,07,02
